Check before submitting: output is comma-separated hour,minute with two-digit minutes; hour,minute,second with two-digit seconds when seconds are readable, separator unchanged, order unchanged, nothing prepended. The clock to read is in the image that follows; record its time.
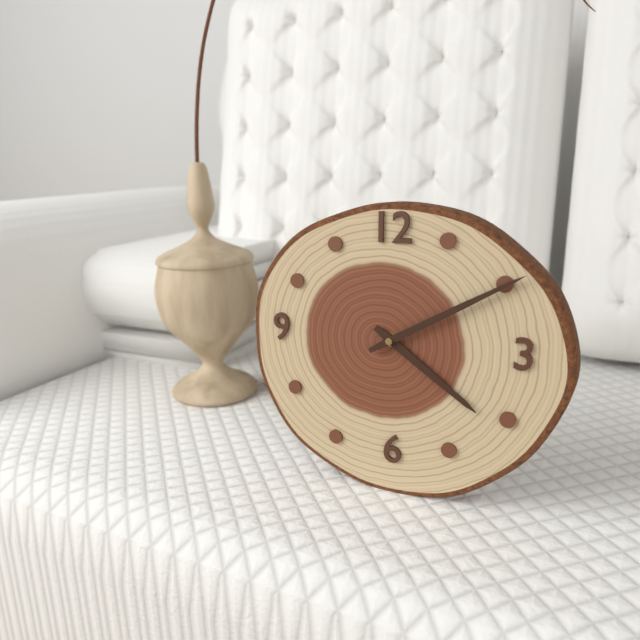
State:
4,10
